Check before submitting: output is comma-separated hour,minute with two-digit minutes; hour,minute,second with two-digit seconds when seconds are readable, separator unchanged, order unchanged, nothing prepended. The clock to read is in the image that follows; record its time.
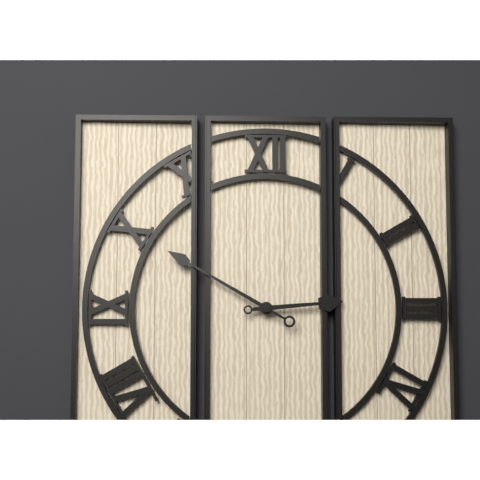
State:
2,50
